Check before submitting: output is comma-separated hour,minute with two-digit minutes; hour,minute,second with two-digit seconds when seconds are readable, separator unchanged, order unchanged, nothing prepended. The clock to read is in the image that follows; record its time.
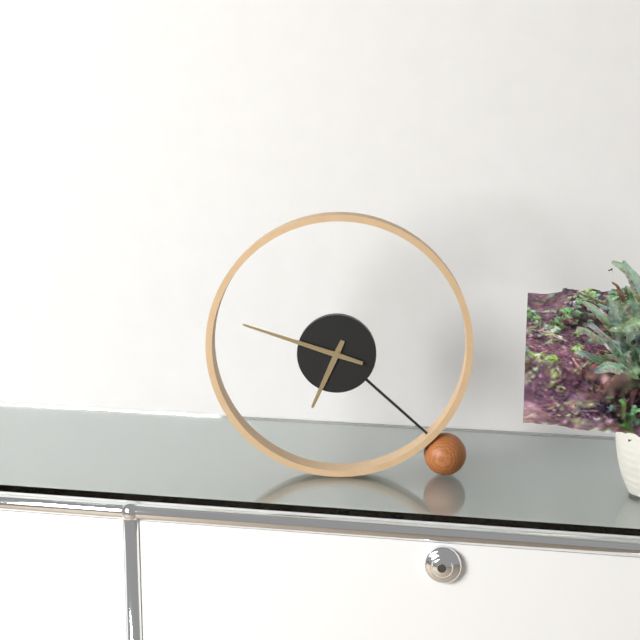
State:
6,48
